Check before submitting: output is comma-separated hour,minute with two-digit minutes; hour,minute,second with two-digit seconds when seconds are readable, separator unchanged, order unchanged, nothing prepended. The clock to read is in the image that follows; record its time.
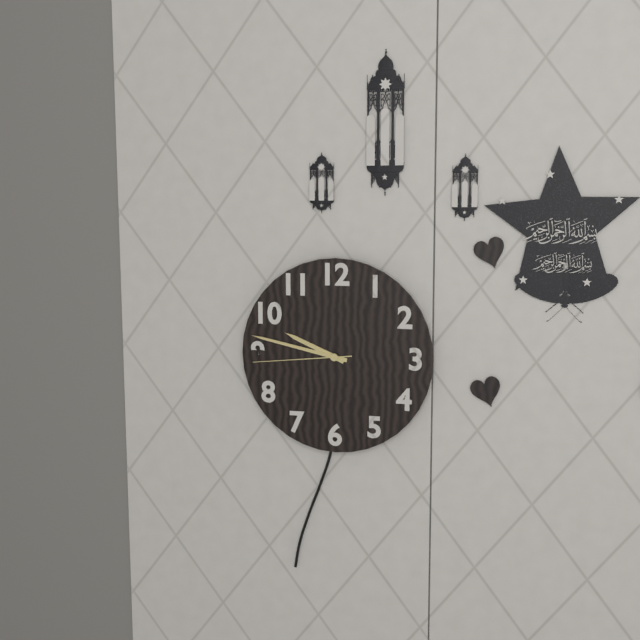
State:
9,47,44
